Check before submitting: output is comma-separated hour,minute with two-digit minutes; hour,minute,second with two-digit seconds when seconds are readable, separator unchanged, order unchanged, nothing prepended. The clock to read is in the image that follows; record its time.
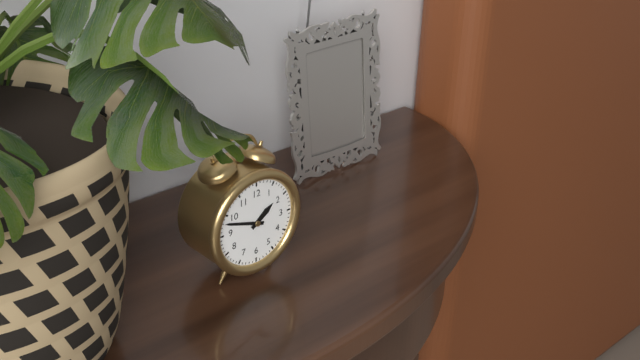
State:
1,48
